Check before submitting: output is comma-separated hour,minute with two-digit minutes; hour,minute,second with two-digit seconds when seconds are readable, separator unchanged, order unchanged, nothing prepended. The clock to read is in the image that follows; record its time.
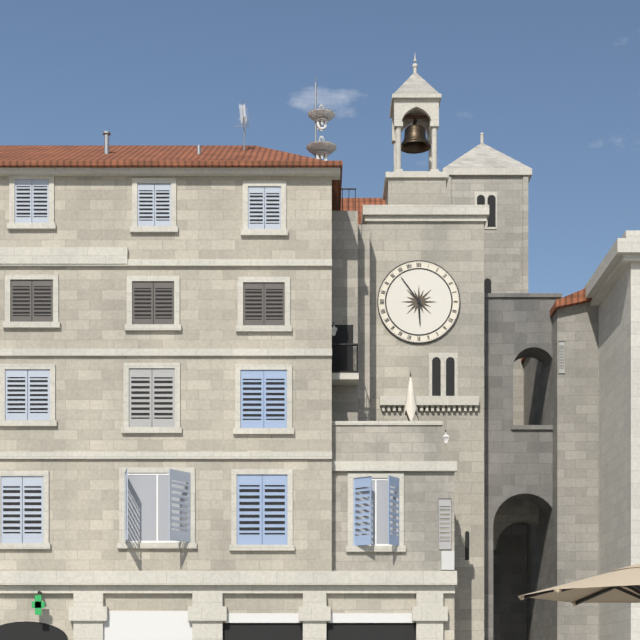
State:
5,54
